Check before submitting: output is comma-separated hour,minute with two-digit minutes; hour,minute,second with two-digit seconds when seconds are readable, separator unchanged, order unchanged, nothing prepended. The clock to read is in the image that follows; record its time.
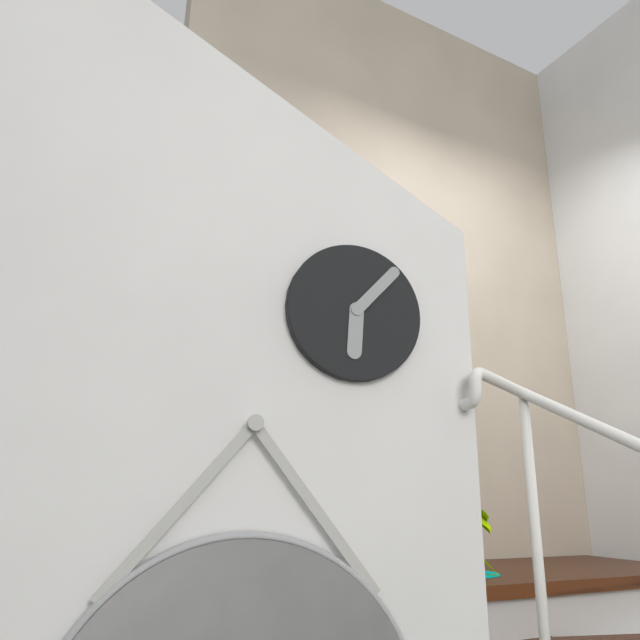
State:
6,07
